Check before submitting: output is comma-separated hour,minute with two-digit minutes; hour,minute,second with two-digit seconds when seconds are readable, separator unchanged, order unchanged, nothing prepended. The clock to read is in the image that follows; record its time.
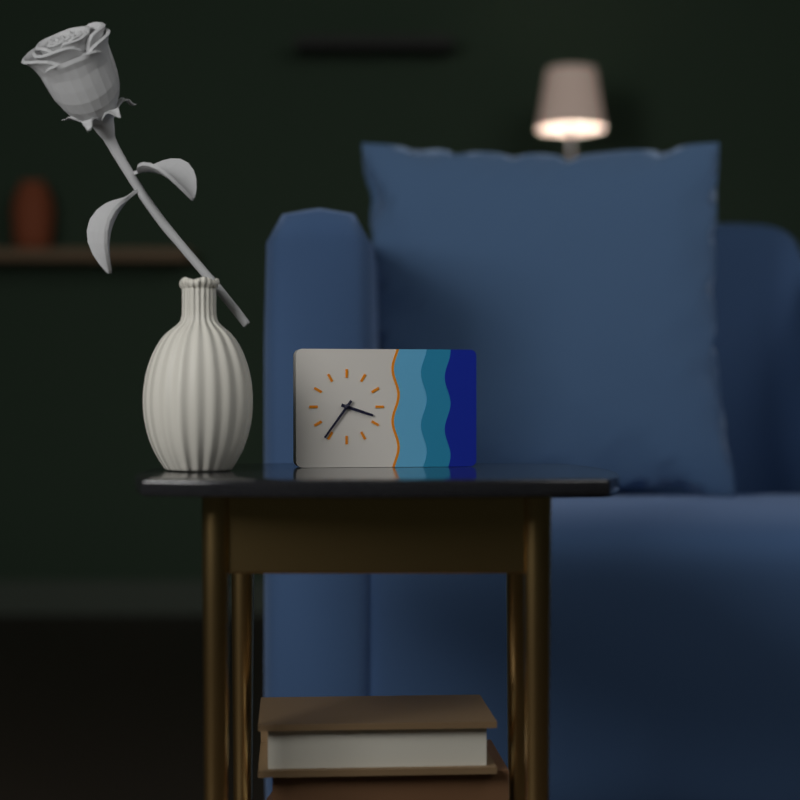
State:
3,36
